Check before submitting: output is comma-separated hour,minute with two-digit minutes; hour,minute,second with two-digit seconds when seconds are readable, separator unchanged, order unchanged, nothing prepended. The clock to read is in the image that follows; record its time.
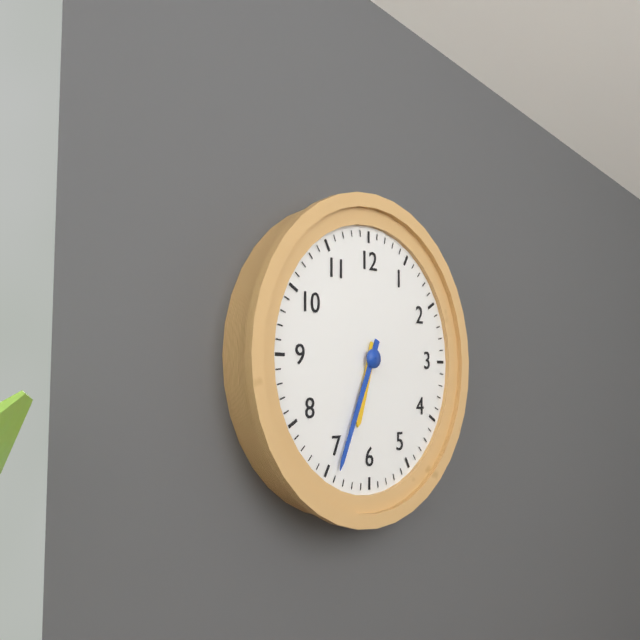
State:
6,34
